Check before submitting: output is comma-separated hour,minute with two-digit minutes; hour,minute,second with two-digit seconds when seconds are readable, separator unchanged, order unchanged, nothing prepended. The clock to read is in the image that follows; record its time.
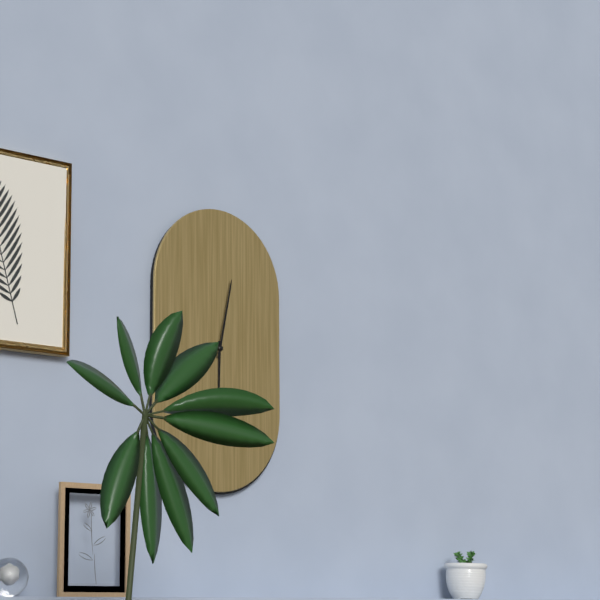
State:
6,02
